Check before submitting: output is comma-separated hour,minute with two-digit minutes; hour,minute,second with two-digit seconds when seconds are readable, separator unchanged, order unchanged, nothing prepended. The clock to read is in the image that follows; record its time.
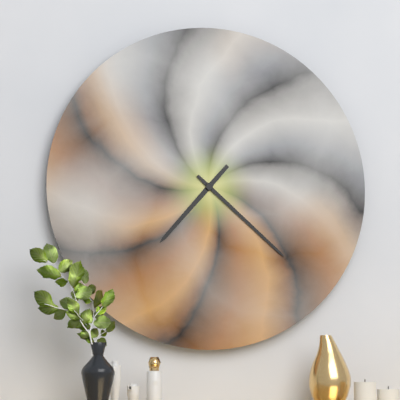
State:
7,22
